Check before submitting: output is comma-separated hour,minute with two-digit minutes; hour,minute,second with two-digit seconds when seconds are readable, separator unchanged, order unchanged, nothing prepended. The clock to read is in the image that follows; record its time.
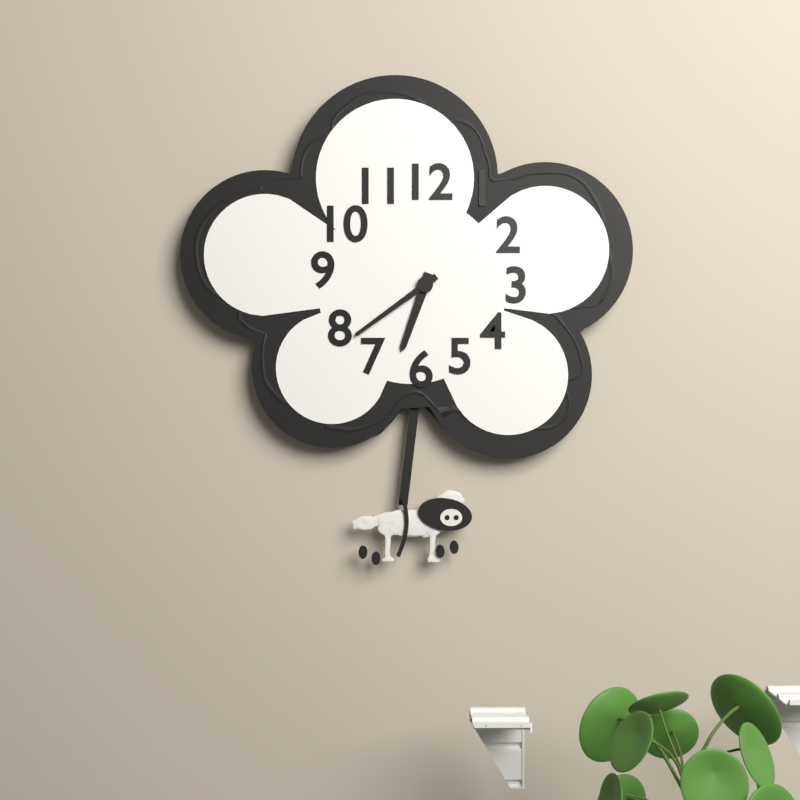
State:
6,39
